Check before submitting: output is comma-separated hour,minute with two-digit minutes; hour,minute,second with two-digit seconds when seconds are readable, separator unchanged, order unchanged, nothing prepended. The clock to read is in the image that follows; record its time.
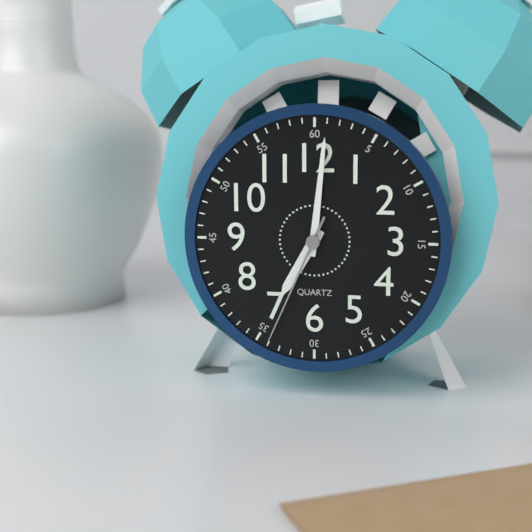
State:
7,01,34
